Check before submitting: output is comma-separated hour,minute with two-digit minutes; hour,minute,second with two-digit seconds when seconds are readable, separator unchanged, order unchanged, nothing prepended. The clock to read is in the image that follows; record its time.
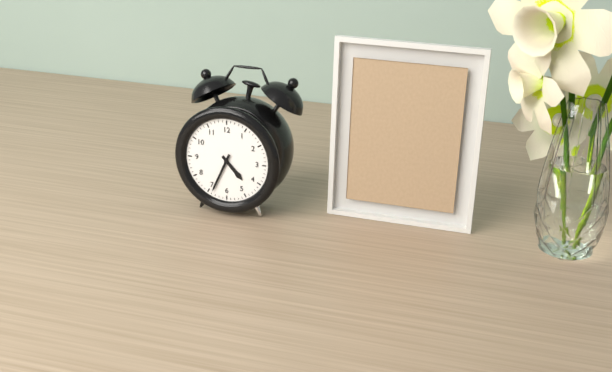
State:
4,34
